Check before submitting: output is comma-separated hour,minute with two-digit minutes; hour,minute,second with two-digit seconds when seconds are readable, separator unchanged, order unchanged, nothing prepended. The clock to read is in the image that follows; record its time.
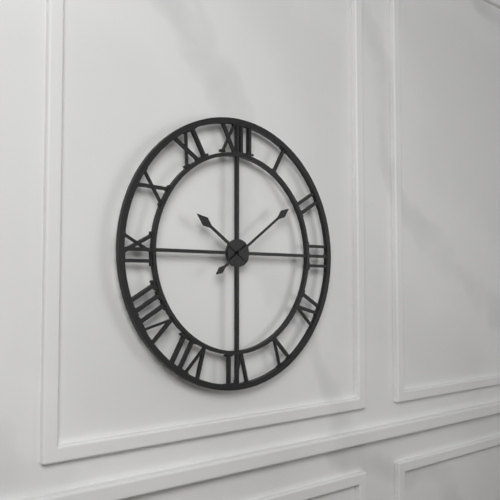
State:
10,09
